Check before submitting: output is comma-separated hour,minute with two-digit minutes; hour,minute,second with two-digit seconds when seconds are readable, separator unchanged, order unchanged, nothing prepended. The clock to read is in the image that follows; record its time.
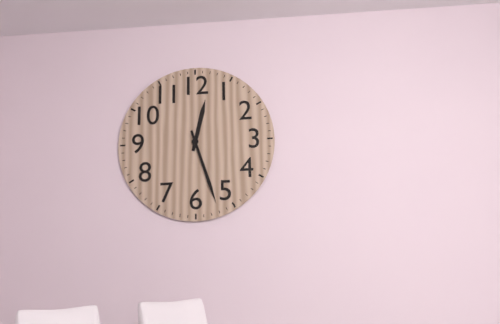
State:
12,27
